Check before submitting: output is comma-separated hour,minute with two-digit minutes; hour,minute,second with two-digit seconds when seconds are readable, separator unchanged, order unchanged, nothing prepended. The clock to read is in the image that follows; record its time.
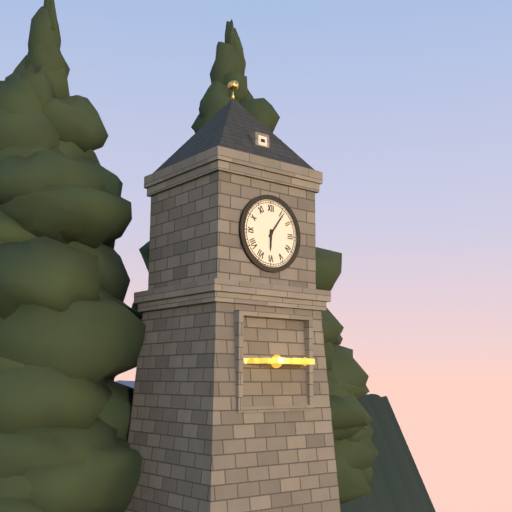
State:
6,06
